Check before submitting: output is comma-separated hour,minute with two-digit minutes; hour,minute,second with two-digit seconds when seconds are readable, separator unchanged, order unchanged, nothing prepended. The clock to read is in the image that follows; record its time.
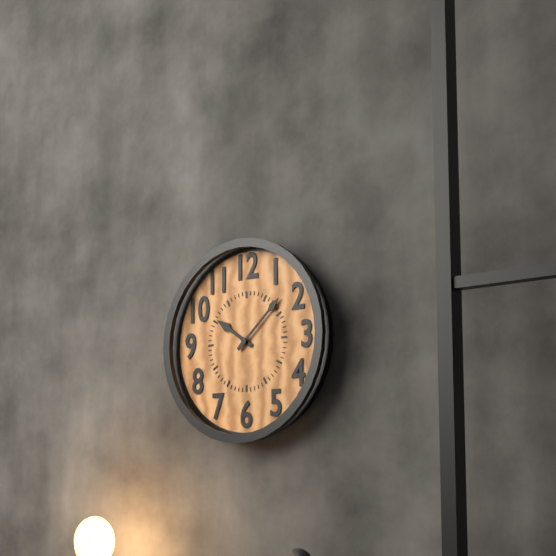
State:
10,08
